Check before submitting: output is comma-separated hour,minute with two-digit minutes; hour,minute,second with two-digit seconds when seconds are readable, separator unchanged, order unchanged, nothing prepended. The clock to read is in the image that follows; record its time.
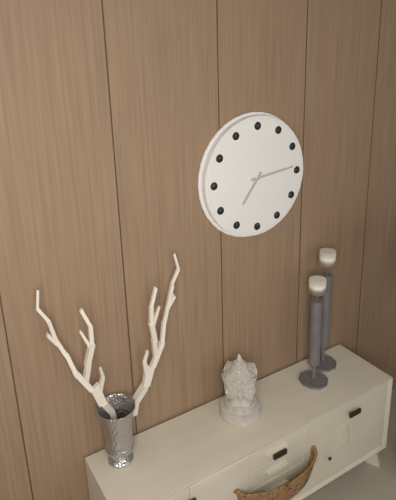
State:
7,14
